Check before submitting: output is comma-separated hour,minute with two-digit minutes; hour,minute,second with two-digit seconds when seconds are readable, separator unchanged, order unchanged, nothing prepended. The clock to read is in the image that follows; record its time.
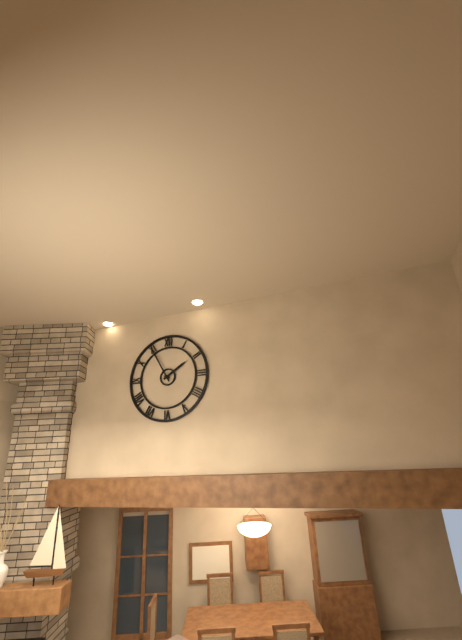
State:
1,55
